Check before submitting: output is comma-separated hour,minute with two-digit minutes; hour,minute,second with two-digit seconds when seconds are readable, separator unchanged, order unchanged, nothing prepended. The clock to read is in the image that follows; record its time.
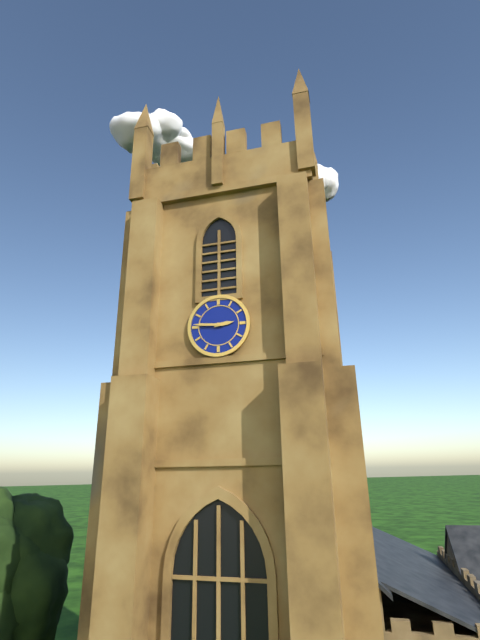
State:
2,46
